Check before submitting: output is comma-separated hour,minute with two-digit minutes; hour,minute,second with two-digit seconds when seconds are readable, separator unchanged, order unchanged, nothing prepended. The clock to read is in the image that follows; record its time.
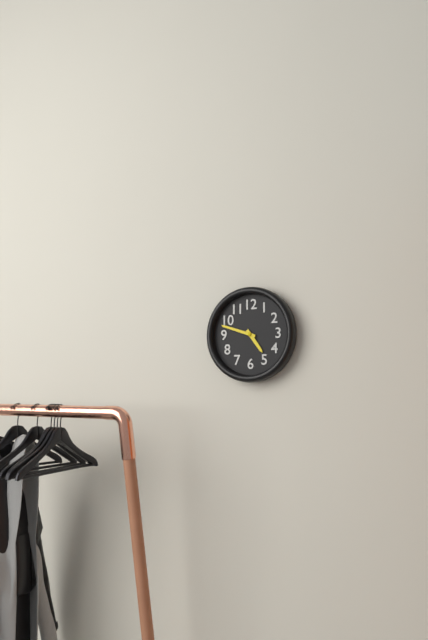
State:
4,48
